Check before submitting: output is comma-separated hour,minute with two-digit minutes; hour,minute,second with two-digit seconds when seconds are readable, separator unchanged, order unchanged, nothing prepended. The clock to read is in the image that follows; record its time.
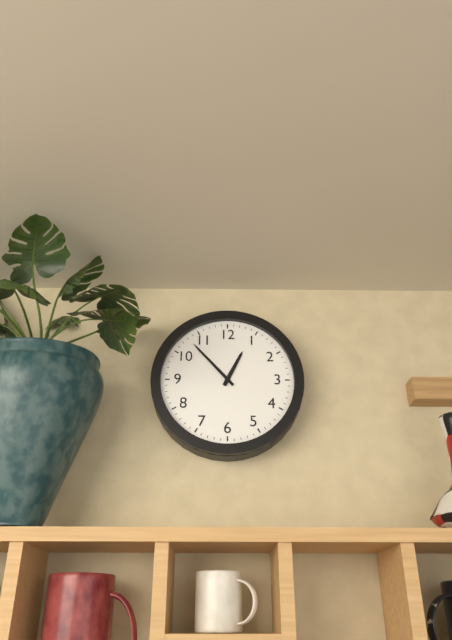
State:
12,53
